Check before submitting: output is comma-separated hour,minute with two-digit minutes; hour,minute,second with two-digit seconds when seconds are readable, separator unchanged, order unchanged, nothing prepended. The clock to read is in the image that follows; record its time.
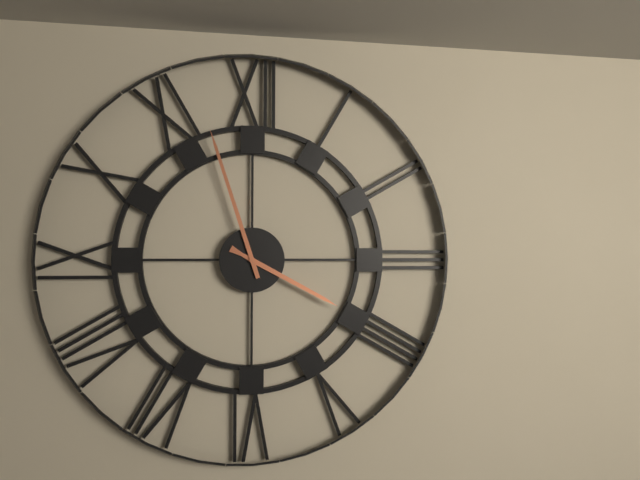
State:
3,57
